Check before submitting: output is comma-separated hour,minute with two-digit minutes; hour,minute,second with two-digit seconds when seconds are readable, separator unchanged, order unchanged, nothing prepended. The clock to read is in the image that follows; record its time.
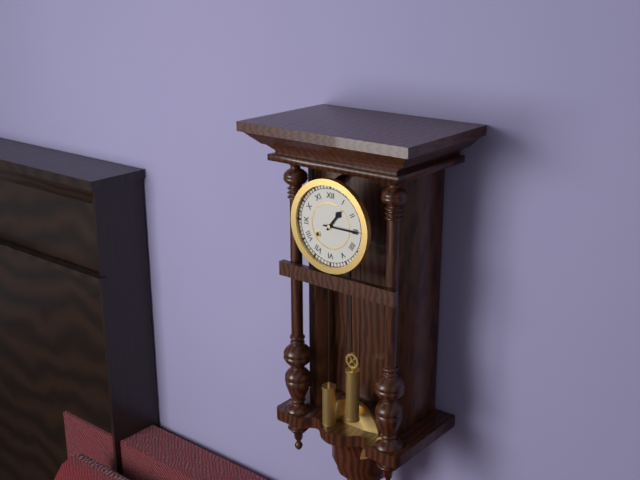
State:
1,15
